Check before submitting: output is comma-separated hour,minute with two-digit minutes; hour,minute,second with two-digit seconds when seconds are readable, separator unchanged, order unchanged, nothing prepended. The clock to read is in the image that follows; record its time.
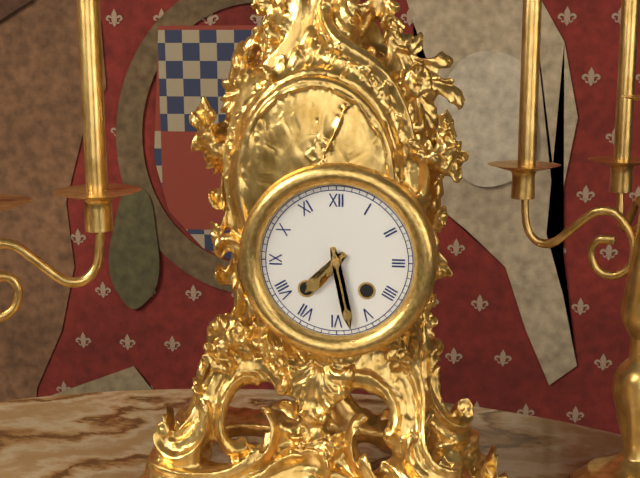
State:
7,28
